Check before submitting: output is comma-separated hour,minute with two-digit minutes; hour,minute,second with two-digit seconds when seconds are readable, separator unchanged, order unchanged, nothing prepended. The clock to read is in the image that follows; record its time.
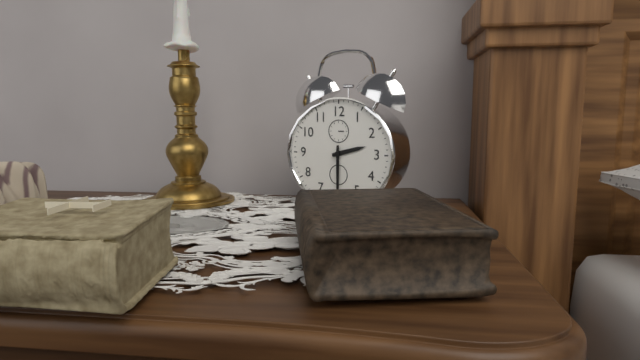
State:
2,30
